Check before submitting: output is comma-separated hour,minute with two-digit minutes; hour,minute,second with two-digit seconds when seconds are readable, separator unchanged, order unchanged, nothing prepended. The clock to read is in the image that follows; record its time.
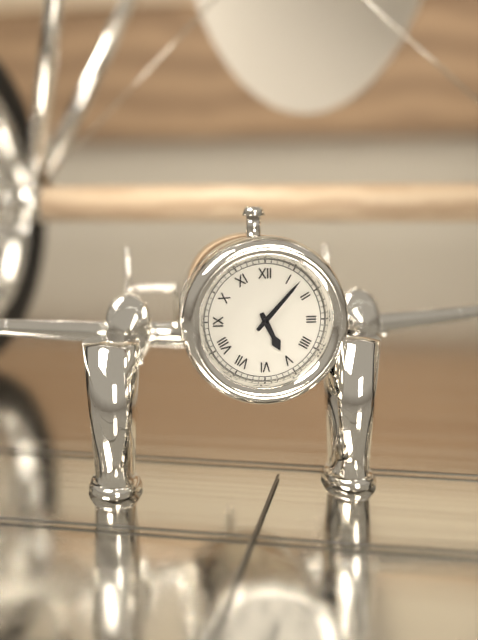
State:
5,07
